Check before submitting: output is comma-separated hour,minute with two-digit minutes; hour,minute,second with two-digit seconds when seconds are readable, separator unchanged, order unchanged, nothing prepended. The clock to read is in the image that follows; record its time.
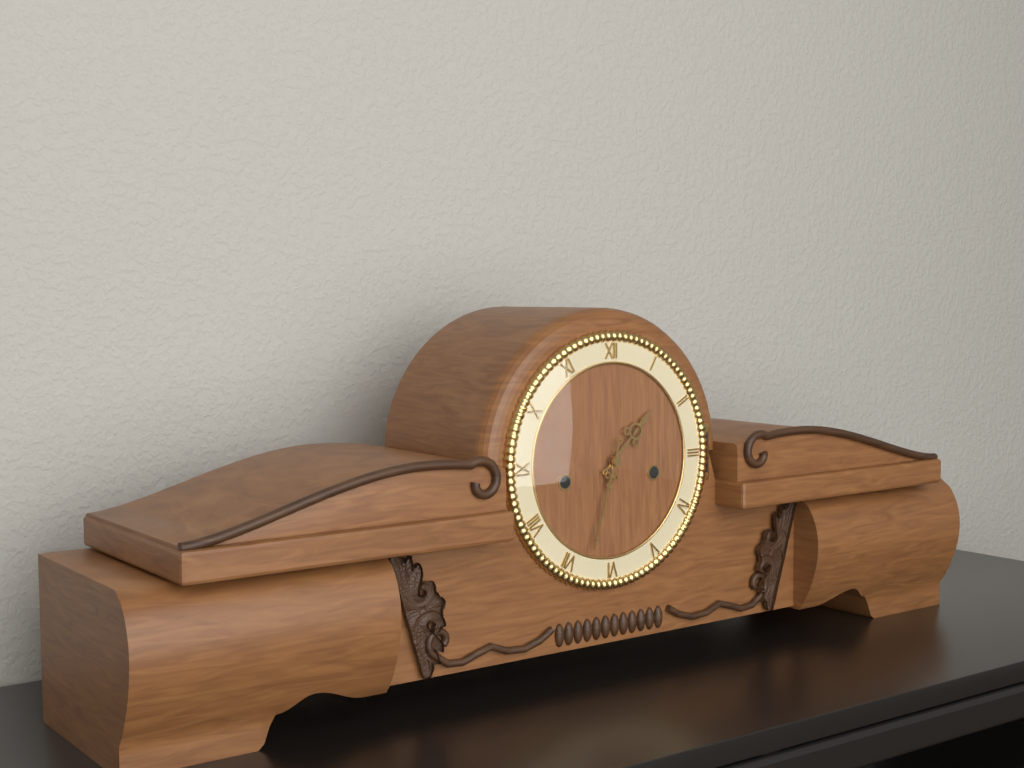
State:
1,33
